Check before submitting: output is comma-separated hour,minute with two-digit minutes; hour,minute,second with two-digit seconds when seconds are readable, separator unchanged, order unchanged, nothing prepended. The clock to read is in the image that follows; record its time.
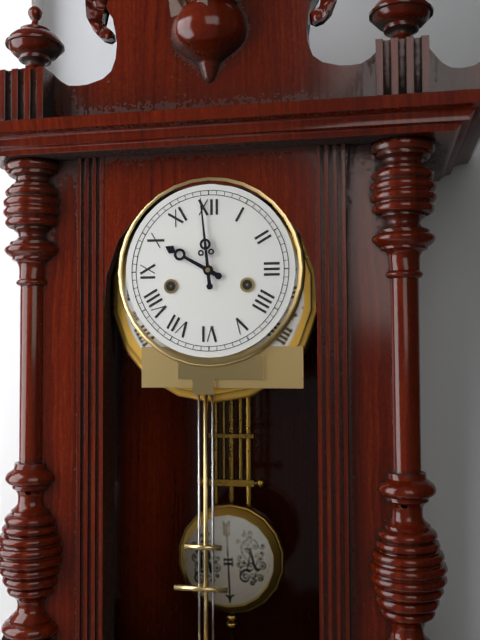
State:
9,59
